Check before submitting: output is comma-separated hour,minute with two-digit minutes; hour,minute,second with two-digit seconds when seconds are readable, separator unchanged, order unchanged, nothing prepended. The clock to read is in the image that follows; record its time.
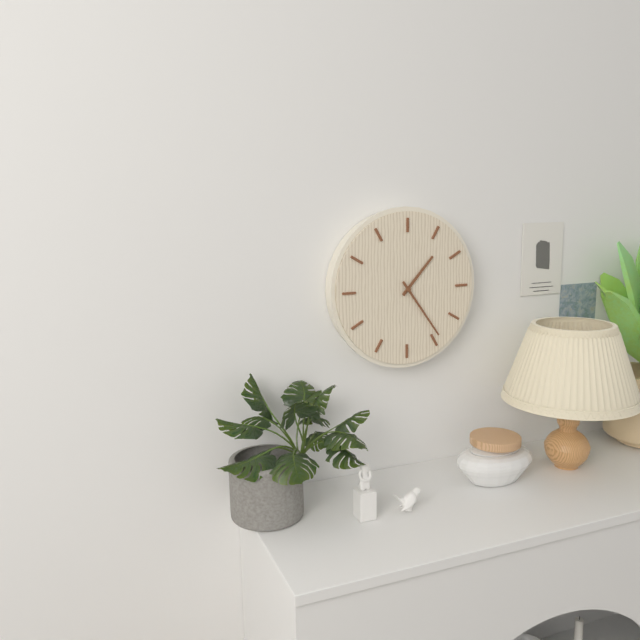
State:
1,24
